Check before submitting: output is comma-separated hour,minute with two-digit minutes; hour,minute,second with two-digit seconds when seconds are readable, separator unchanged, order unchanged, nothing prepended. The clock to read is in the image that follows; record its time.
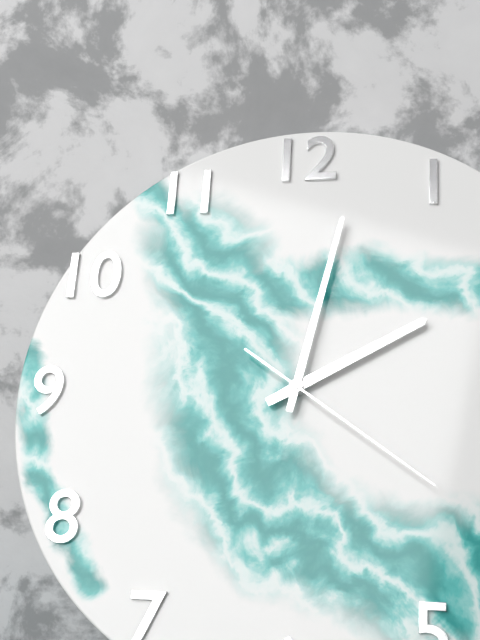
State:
2,02,21
